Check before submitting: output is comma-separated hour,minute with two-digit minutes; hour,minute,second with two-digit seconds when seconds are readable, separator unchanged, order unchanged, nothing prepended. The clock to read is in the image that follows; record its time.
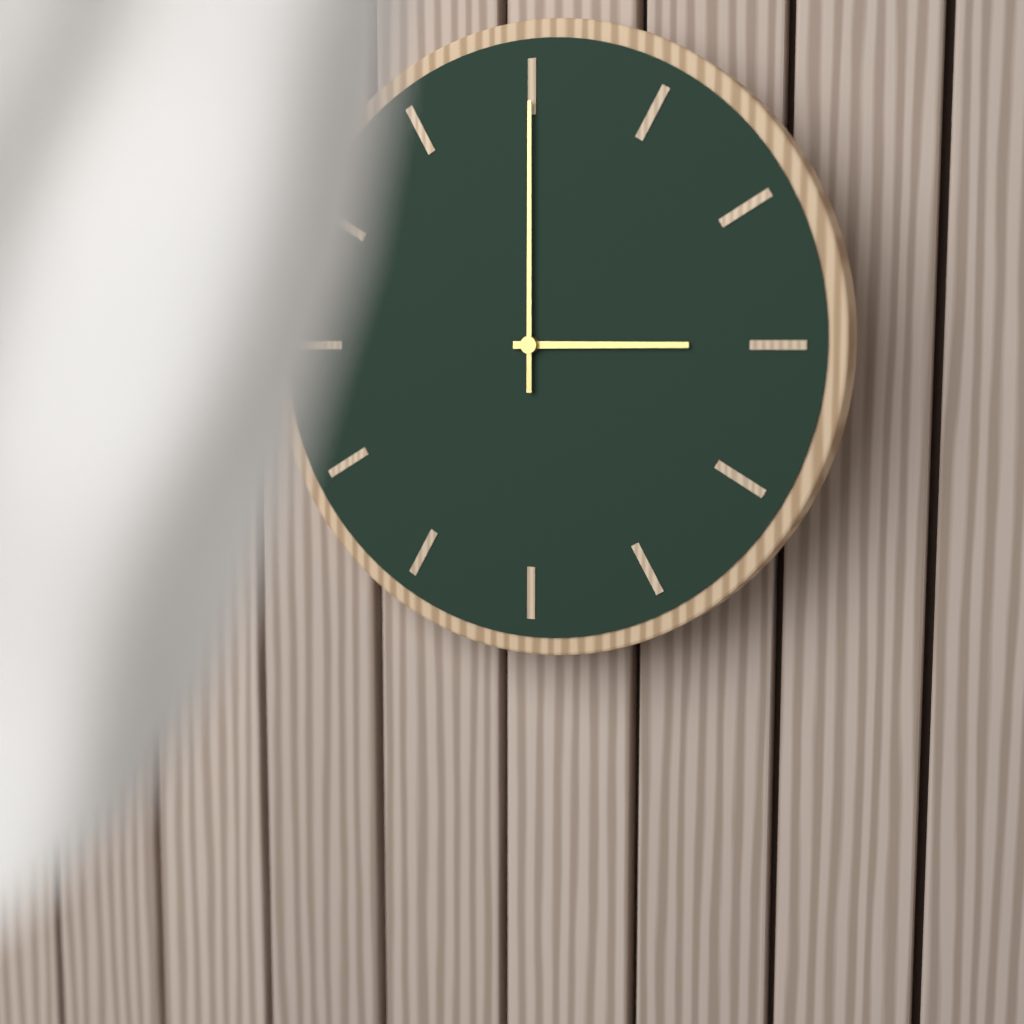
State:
3,00
